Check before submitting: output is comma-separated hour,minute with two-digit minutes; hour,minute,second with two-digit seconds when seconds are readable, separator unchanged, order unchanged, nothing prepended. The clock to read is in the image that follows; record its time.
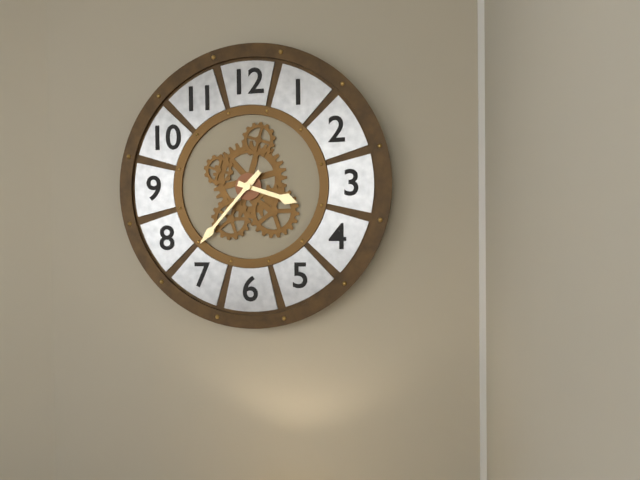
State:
3,37
